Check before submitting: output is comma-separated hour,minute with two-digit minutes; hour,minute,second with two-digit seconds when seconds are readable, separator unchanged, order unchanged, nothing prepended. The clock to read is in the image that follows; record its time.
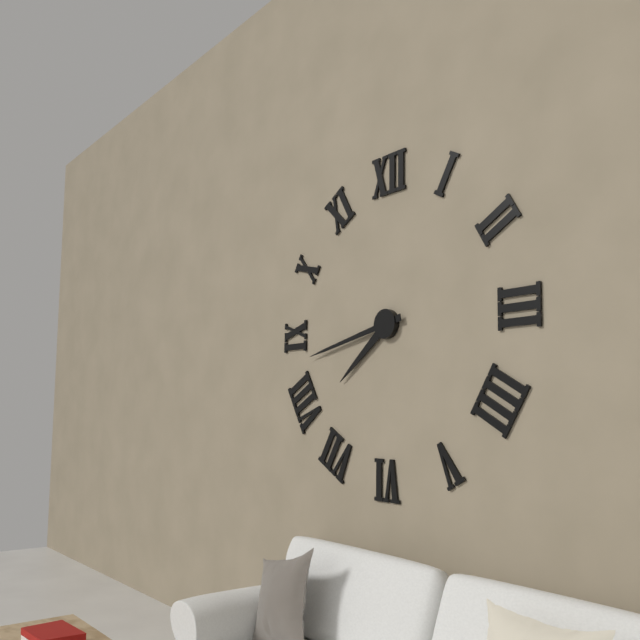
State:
7,43
